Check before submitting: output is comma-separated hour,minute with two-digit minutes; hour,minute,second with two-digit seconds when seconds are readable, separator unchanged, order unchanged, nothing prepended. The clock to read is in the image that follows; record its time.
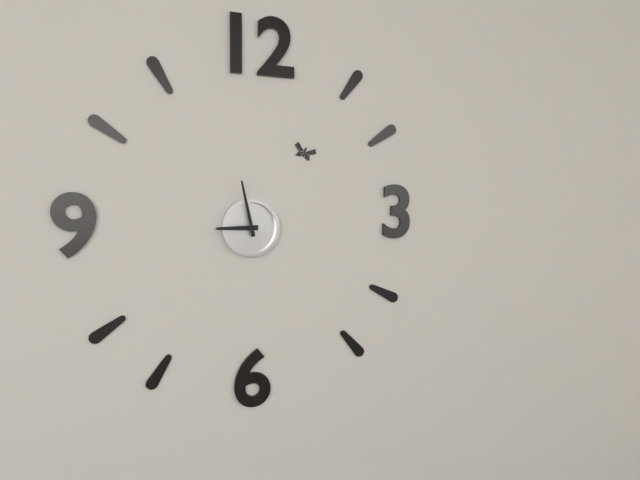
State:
8,58
